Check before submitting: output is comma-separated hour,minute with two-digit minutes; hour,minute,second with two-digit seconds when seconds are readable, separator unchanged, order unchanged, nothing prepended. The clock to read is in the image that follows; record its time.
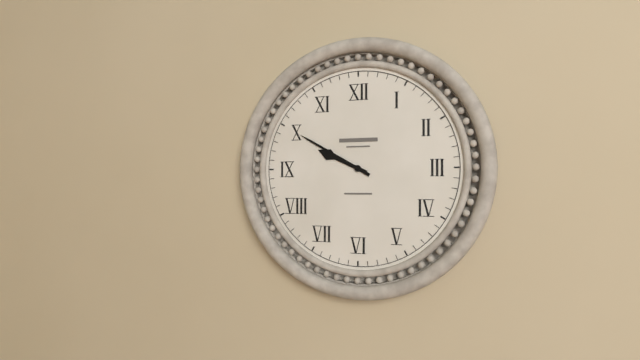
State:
9,50
